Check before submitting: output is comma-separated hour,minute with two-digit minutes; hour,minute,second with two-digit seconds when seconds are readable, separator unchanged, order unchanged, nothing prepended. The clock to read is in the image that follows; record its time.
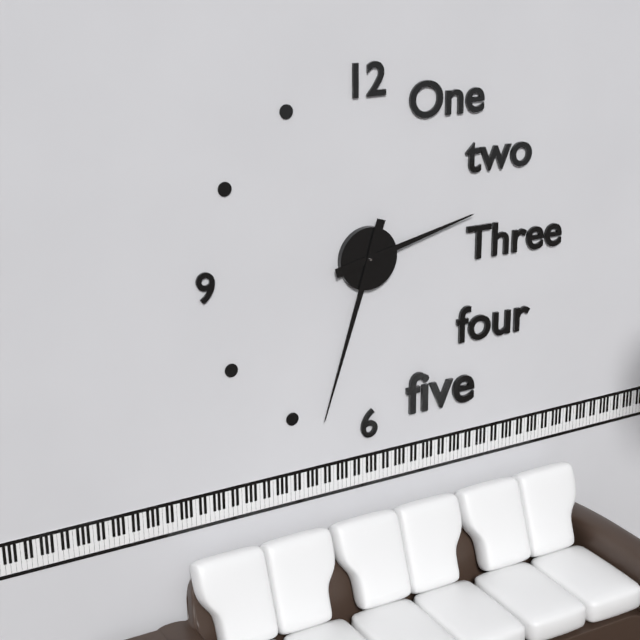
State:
2,33
